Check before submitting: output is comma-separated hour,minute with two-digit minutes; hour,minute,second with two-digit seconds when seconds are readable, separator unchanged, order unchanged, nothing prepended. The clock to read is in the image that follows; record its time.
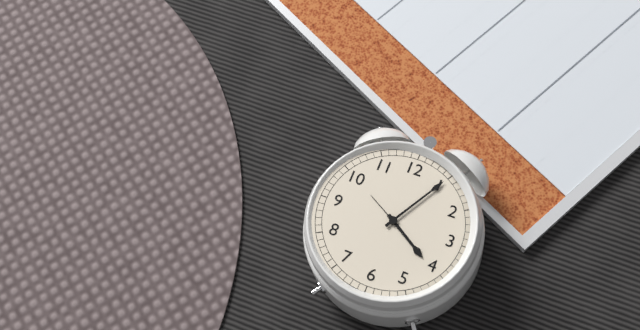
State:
4,05
